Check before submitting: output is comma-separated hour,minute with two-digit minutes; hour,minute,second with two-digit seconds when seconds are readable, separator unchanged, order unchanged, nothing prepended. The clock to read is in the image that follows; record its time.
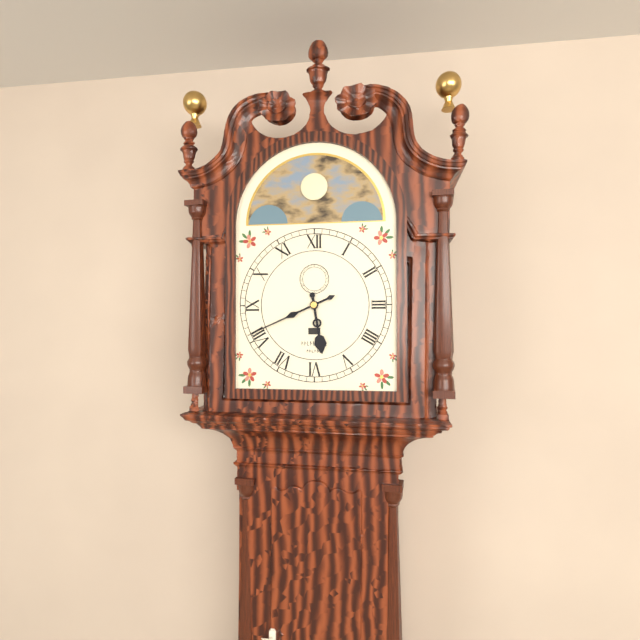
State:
5,41
